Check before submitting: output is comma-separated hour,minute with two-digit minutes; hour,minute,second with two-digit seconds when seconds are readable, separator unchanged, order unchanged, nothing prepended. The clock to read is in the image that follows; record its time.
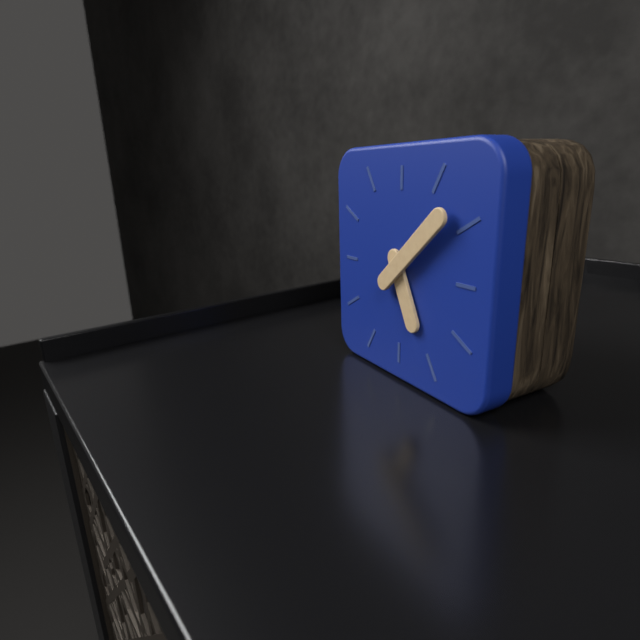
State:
5,08
